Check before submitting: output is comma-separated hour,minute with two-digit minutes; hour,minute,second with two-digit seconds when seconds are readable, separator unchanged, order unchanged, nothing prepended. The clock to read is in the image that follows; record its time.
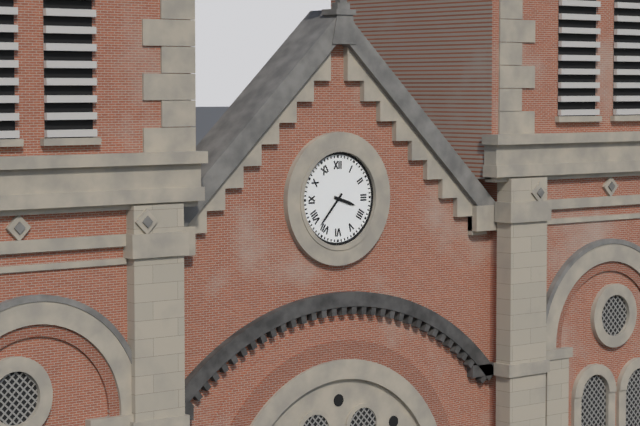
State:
3,37
